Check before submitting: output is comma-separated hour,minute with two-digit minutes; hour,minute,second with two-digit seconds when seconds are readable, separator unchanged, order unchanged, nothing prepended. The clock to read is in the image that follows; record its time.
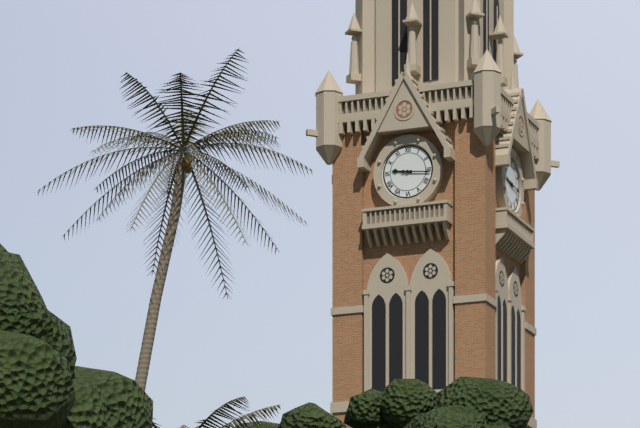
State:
9,16
